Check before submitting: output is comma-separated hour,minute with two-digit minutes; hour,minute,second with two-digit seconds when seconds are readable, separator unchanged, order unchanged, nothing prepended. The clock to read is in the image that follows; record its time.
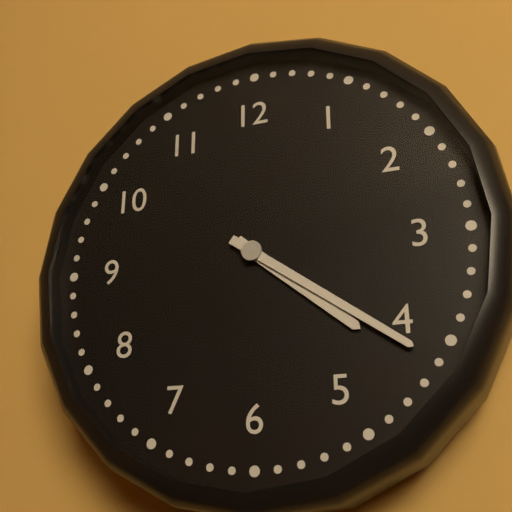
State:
4,21
